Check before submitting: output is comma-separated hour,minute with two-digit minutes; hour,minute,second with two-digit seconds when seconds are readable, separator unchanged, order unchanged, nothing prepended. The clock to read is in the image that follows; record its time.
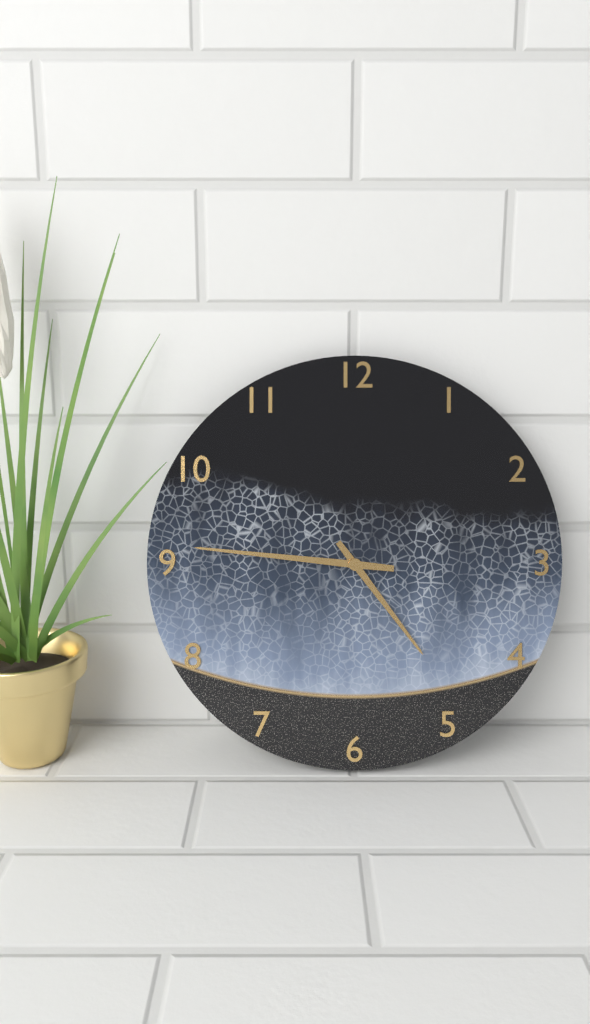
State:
4,46
